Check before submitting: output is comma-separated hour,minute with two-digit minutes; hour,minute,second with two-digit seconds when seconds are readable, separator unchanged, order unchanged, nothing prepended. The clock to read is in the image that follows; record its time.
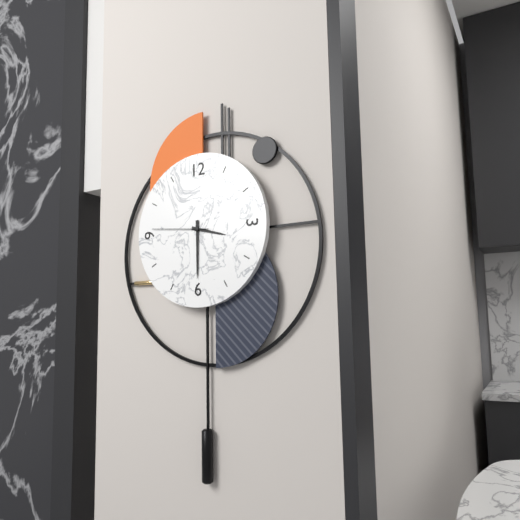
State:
3,30,46
